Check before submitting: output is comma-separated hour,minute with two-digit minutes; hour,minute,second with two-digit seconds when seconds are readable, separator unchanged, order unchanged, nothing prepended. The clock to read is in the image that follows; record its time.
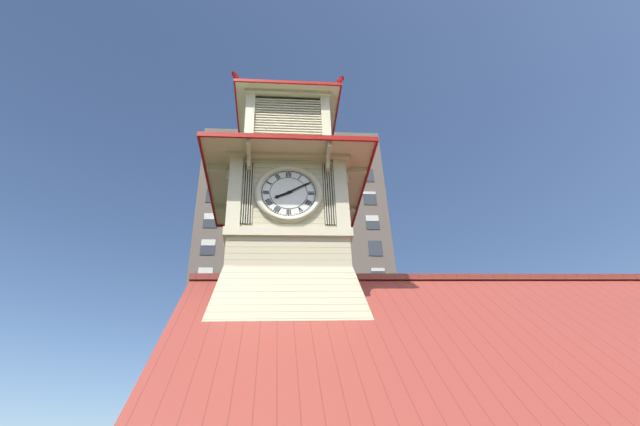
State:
8,10
